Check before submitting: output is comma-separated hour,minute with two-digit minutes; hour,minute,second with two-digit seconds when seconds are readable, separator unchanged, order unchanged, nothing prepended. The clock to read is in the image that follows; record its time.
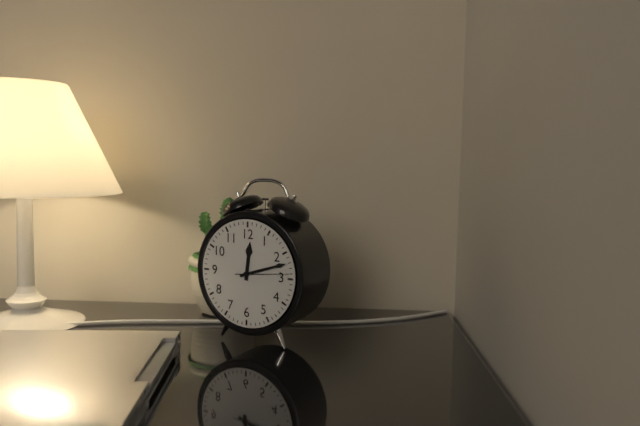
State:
12,12,14
